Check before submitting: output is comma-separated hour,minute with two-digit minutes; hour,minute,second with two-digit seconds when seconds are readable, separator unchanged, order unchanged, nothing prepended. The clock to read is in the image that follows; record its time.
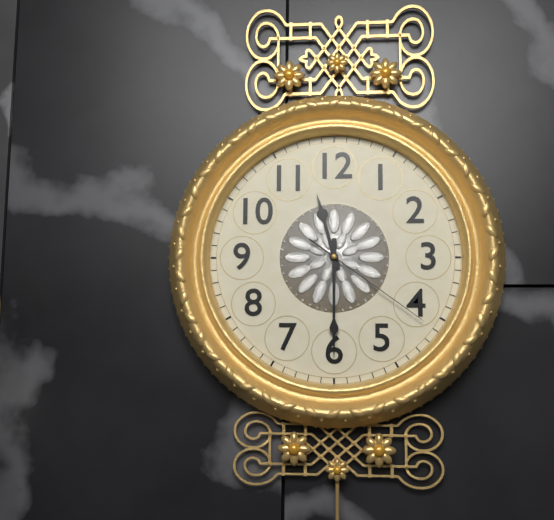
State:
11,30,21
